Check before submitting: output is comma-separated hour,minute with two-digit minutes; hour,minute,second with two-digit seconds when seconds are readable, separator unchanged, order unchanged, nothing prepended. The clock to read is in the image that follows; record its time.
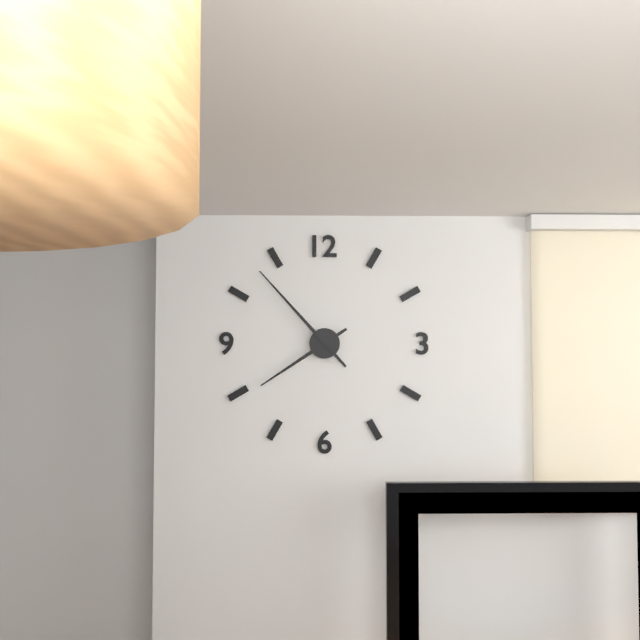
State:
7,53
